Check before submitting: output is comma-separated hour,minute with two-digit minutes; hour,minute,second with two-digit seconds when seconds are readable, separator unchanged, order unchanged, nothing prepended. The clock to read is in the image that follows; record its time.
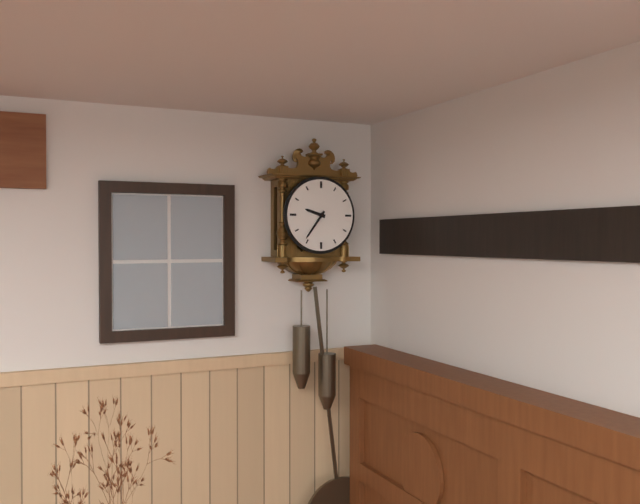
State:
9,36
